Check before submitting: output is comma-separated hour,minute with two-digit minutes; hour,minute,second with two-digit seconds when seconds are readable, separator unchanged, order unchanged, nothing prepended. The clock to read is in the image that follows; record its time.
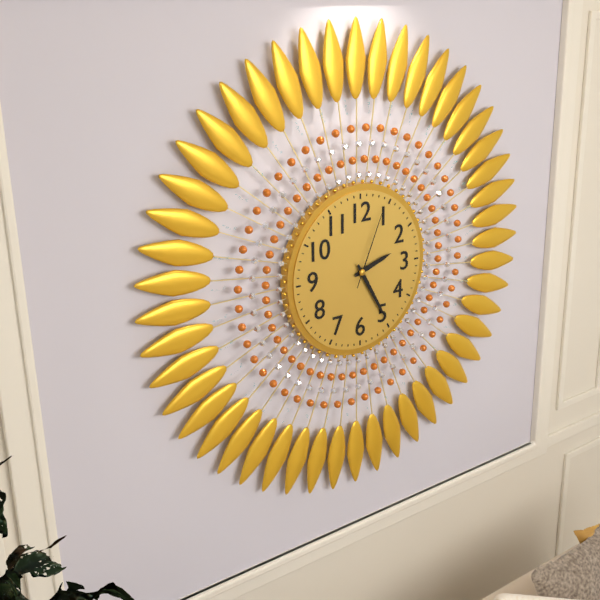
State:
2,25,04
